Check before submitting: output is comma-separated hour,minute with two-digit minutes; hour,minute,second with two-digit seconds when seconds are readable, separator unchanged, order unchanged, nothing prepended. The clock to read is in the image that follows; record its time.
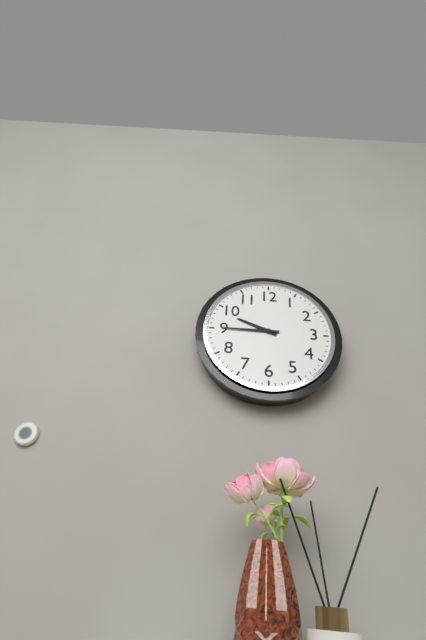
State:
9,45
